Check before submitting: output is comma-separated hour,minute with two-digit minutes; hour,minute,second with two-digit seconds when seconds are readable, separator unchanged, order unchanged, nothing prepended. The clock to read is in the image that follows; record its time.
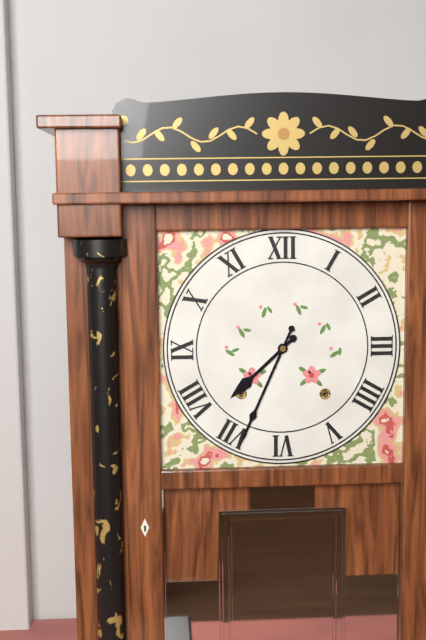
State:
7,34
